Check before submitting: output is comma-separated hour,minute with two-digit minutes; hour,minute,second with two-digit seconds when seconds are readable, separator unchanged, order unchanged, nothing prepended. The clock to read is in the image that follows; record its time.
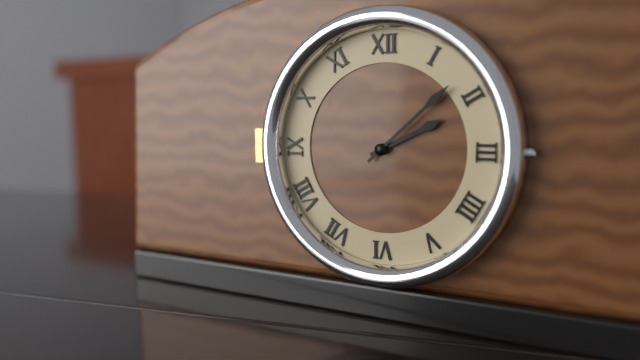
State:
2,08
